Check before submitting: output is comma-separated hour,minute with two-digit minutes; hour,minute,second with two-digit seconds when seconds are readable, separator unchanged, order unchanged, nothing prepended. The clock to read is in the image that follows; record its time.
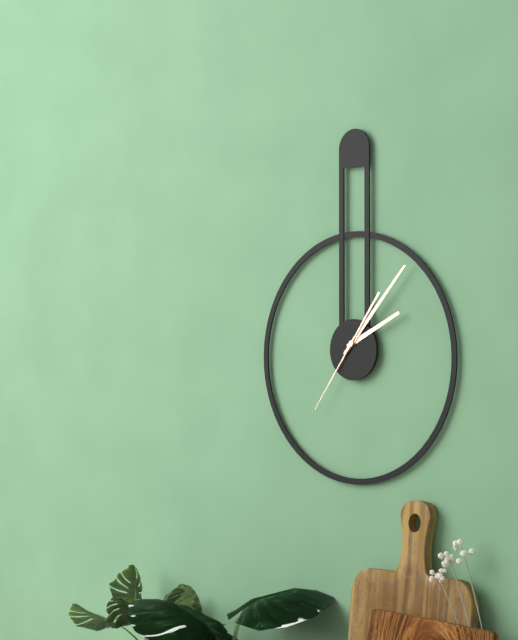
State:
2,07,36
